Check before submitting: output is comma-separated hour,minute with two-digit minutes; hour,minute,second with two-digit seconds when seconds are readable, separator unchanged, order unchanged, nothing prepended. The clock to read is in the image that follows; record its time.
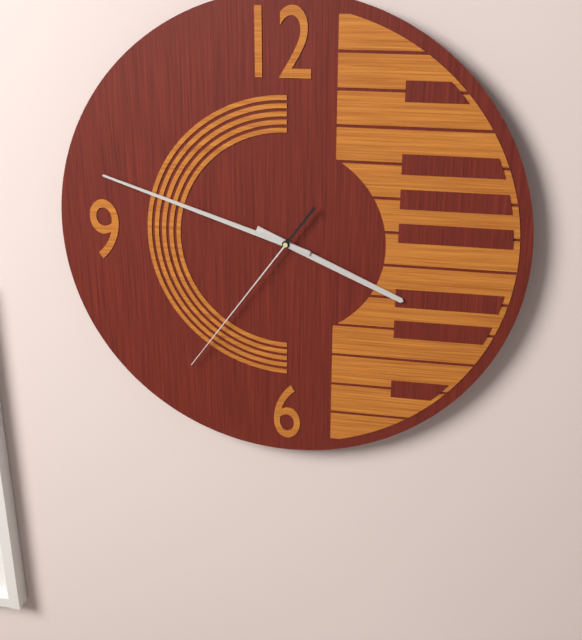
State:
3,48,36
